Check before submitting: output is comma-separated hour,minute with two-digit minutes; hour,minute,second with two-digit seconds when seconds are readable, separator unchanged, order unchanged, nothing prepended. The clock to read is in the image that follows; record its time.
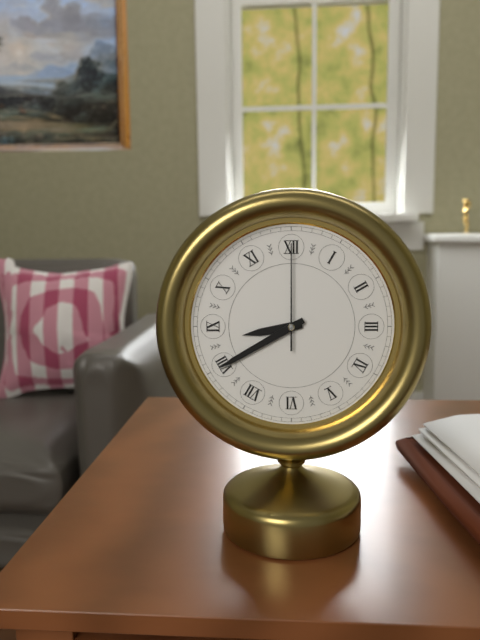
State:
8,40,00
